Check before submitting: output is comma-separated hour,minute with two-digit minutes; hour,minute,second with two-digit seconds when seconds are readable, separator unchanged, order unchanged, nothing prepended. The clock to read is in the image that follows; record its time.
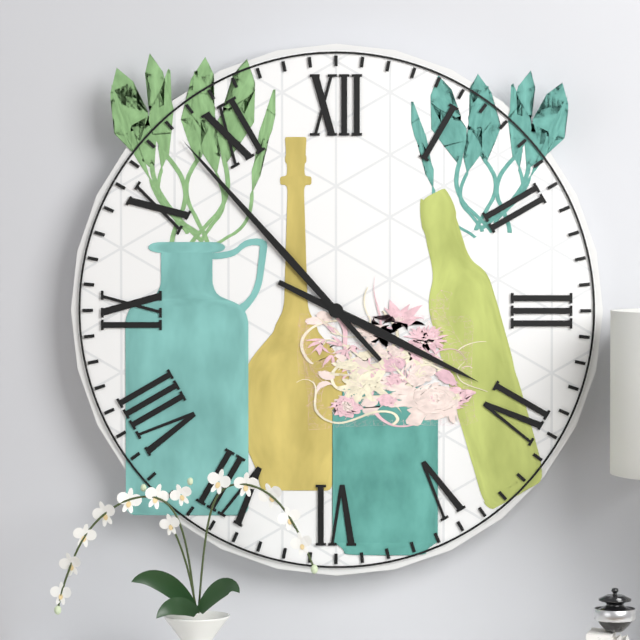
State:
3,53
